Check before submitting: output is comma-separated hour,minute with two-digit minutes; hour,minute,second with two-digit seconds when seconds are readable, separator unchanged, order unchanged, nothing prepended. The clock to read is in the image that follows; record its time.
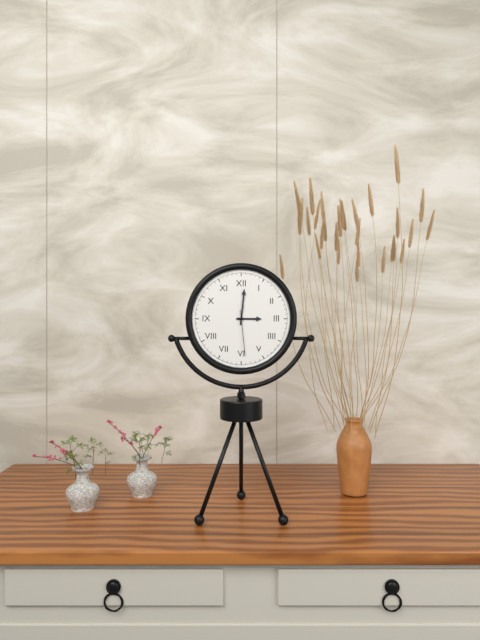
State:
3,01
